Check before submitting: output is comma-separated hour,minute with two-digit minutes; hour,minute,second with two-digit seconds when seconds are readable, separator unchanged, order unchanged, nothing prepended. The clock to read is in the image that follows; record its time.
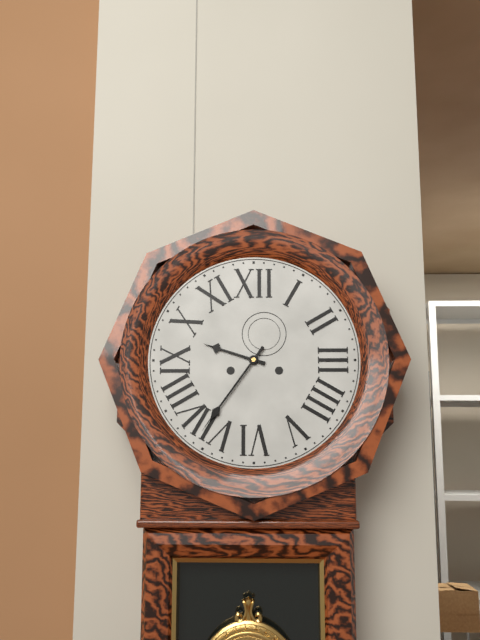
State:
9,36
